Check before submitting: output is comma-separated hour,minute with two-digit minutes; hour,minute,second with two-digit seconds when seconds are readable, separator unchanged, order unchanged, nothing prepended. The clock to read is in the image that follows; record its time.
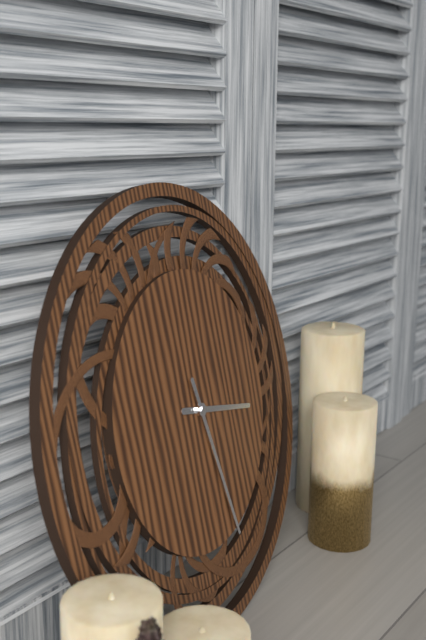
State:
3,28
